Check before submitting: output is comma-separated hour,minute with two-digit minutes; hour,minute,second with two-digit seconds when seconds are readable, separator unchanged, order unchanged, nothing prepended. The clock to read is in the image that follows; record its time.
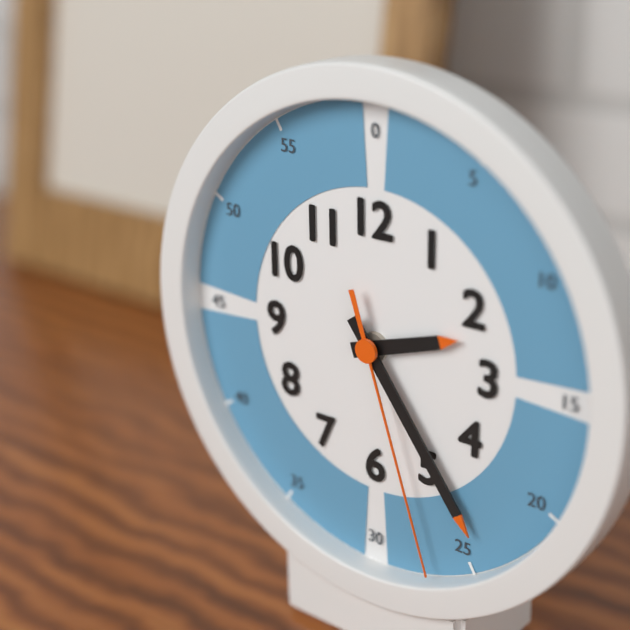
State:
2,24,27
